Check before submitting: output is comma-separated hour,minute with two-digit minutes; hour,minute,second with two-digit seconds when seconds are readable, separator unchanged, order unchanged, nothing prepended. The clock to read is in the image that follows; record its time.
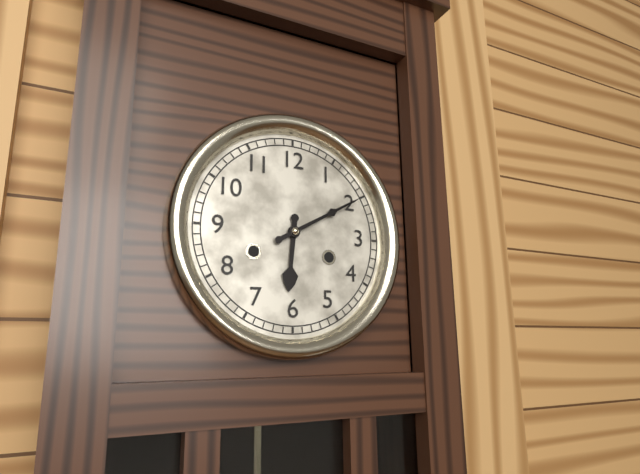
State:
6,10
